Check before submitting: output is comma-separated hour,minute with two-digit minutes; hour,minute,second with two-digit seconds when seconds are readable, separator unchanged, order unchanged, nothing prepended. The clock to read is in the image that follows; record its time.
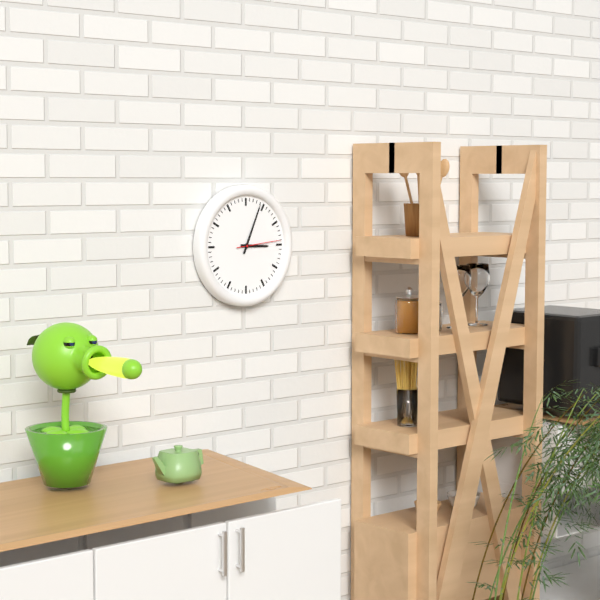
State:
3,04
